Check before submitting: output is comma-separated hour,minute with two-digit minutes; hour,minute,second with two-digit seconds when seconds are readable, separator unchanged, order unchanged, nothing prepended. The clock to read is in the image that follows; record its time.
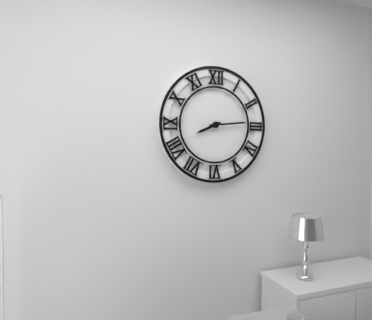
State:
8,14
